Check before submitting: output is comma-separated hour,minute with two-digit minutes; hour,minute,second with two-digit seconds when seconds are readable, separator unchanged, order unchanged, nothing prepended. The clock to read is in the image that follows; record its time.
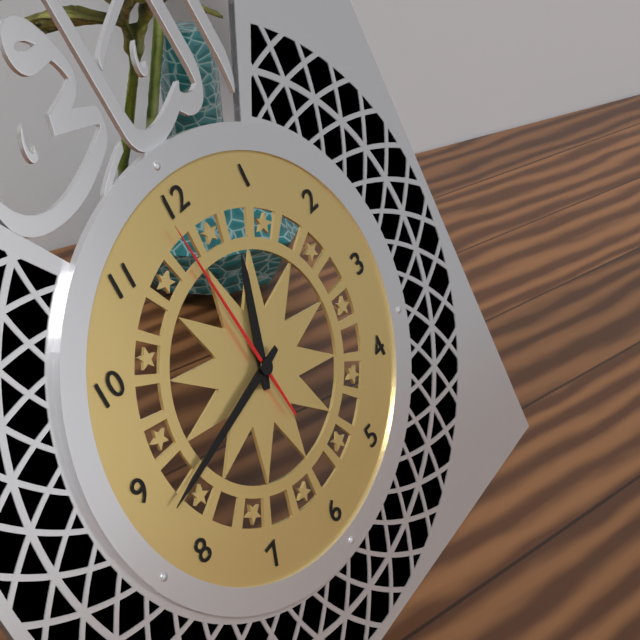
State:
12,43,59
